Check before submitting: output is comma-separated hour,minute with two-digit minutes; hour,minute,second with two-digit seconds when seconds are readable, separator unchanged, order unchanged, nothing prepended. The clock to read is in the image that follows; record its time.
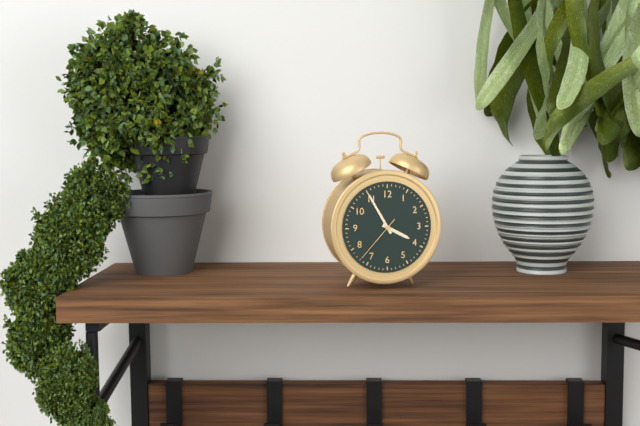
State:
3,55,37
